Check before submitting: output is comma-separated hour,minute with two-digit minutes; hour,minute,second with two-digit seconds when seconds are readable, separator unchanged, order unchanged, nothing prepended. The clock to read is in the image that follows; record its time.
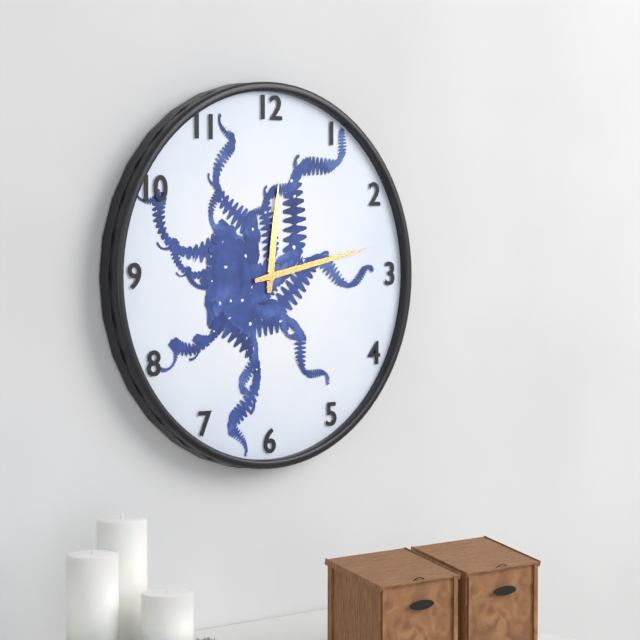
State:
12,13
